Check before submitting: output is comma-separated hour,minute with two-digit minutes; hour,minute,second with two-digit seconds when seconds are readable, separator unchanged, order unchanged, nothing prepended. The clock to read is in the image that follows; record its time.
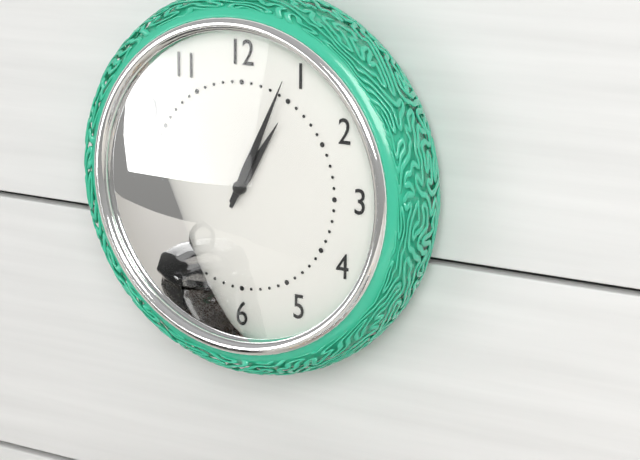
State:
1,04
